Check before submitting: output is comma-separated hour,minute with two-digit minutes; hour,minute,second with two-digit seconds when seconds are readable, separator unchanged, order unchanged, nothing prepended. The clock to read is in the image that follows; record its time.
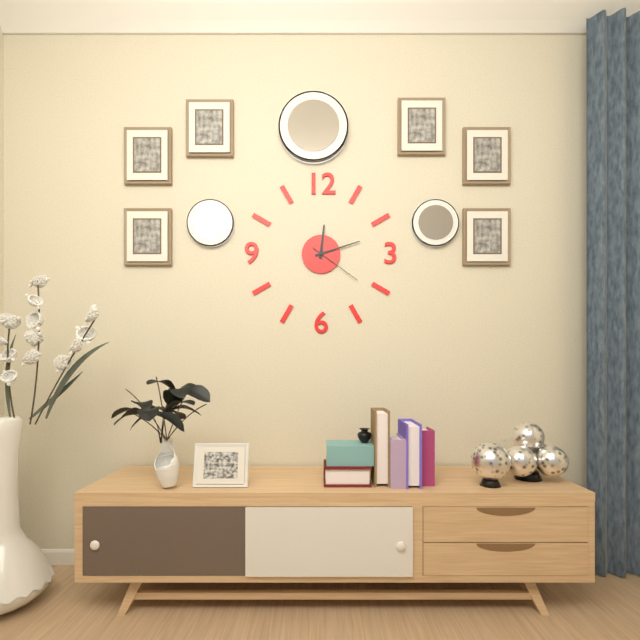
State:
12,12,21
